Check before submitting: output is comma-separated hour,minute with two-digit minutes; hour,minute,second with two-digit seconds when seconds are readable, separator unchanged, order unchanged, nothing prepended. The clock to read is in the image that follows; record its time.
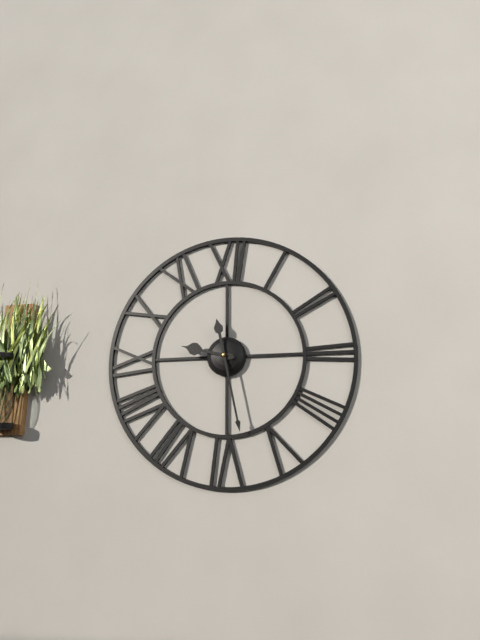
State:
9,28
